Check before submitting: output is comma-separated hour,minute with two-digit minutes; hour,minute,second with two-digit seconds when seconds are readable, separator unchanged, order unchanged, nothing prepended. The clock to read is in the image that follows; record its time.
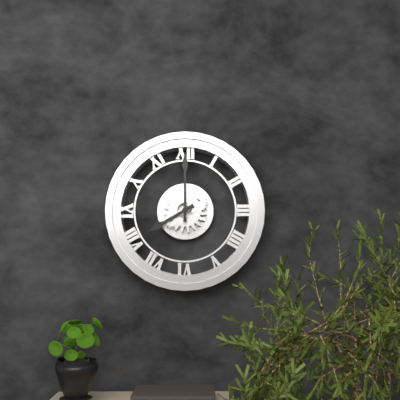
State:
8,00
